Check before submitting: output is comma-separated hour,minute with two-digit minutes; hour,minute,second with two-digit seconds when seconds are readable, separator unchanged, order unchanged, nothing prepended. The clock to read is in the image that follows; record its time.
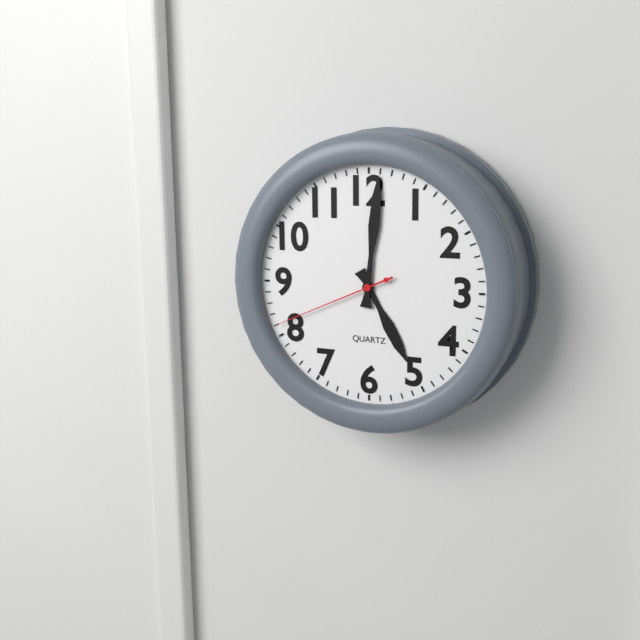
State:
5,01,41
